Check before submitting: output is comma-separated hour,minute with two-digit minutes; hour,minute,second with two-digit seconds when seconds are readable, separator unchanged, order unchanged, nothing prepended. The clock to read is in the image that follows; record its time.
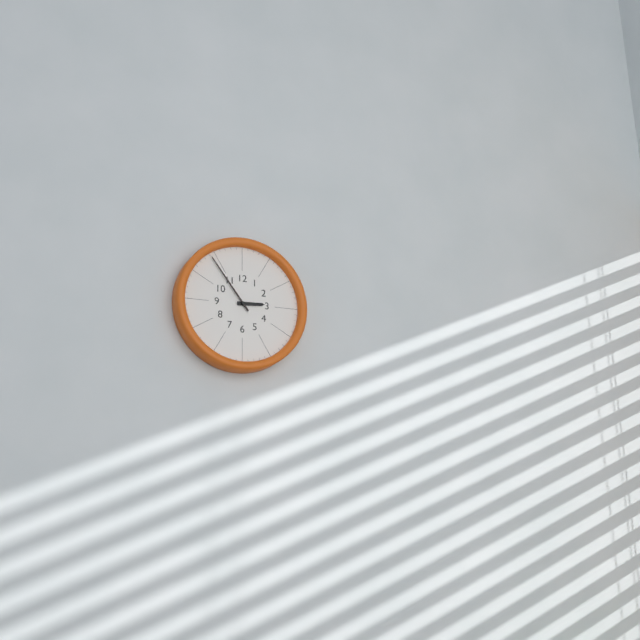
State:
2,54
